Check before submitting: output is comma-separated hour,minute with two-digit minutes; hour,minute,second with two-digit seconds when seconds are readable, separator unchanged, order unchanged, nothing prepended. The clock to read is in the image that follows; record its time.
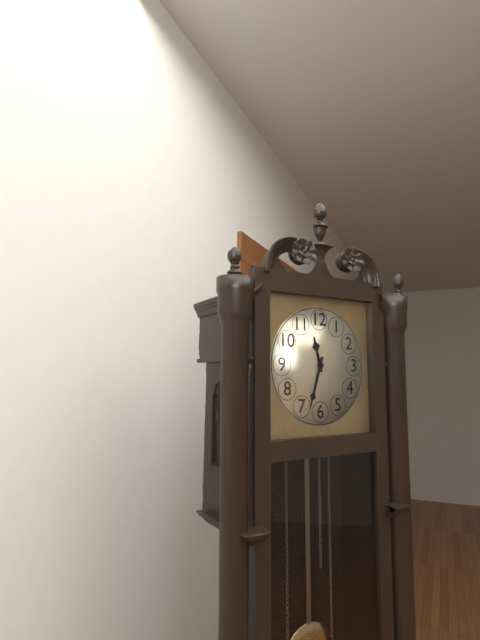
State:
11,33
